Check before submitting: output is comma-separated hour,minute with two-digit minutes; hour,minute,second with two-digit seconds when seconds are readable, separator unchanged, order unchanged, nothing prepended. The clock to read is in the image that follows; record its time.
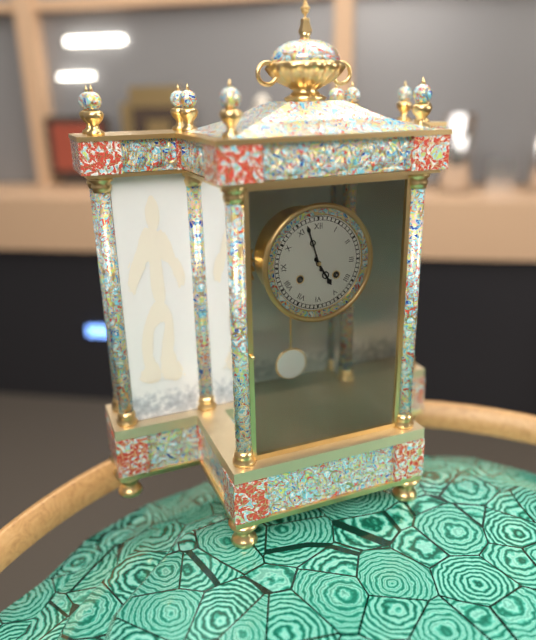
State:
4,57
